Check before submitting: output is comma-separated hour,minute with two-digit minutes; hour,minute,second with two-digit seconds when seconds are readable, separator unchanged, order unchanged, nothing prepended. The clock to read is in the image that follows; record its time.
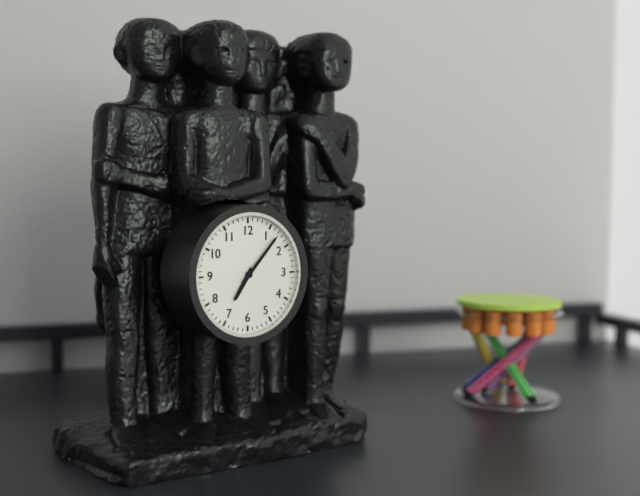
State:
7,07
